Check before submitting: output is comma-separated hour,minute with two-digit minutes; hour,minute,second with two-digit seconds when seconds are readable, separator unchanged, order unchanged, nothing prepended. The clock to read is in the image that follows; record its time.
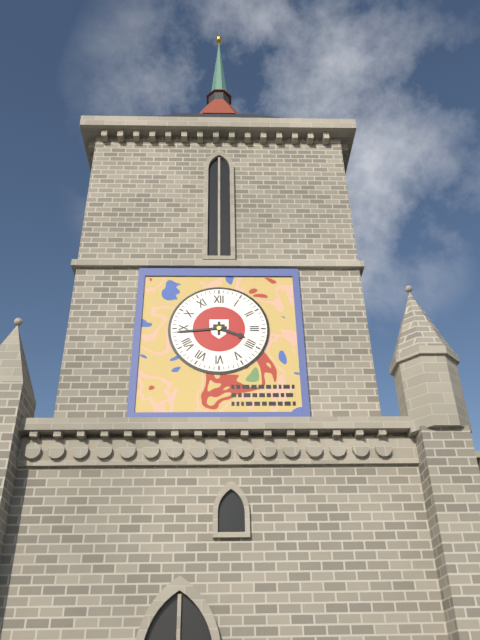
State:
3,44
